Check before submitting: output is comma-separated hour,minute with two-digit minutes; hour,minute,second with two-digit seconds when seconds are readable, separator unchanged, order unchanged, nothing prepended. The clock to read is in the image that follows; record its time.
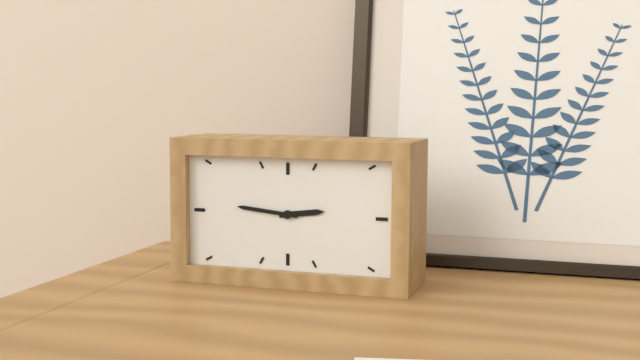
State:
2,46
